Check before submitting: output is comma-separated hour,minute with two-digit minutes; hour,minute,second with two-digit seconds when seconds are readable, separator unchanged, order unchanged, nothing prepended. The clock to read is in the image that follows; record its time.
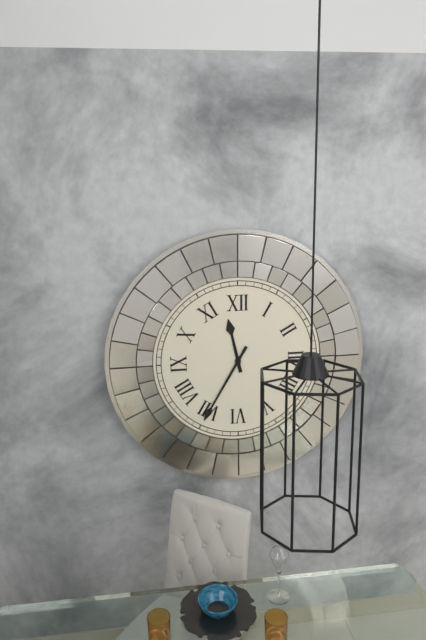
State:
11,35
